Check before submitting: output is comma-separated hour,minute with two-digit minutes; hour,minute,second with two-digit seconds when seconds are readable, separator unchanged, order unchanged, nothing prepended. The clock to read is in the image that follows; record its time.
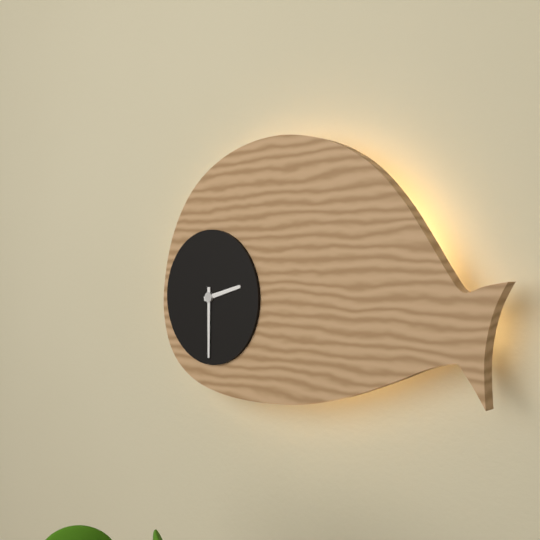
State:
2,30
